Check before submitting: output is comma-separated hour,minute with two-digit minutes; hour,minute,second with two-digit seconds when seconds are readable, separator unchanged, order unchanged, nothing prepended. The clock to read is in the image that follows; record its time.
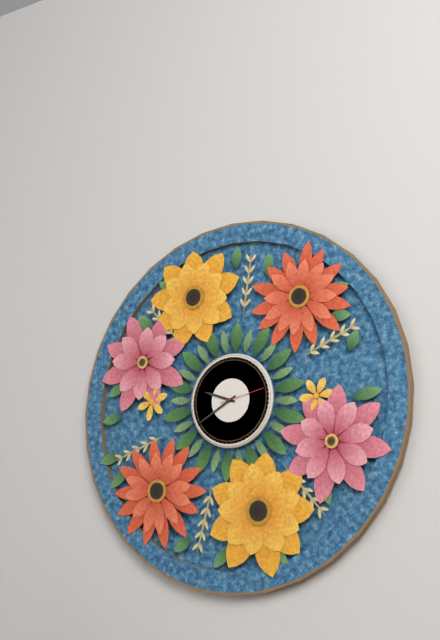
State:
9,40
